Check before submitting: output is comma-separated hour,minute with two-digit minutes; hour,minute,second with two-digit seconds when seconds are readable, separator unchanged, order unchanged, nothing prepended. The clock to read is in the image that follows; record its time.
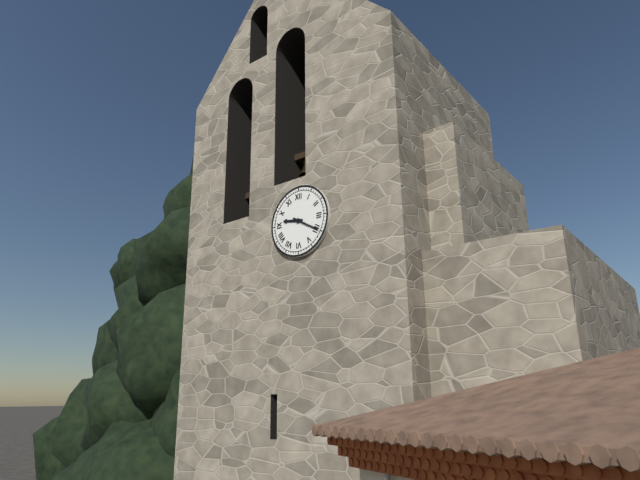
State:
9,20
